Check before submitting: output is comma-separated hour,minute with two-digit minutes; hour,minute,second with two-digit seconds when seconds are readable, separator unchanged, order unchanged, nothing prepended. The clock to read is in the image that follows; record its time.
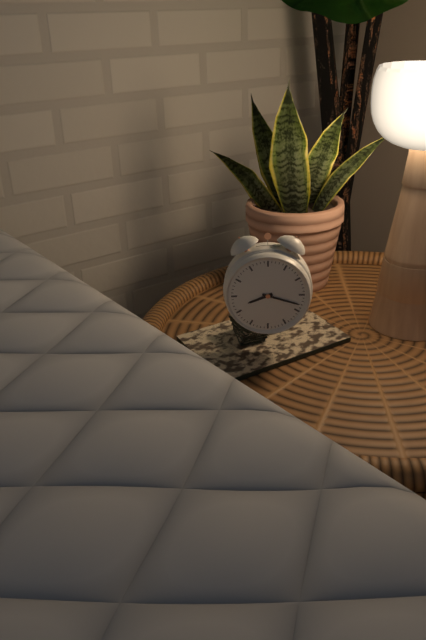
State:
8,18
